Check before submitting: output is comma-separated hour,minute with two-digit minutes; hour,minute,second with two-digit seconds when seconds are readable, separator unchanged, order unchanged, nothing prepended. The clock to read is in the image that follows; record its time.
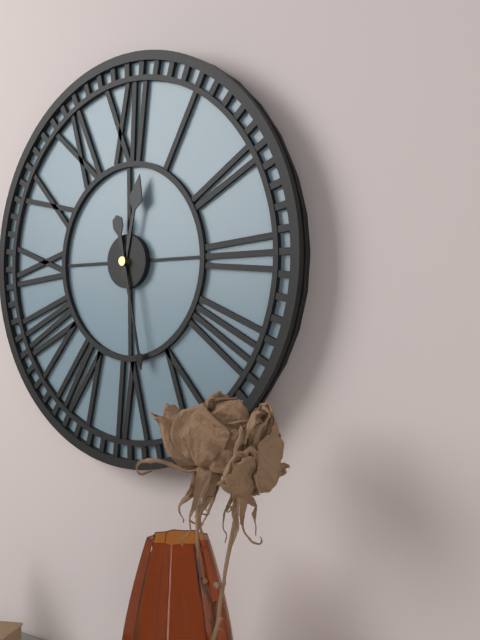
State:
12,28
